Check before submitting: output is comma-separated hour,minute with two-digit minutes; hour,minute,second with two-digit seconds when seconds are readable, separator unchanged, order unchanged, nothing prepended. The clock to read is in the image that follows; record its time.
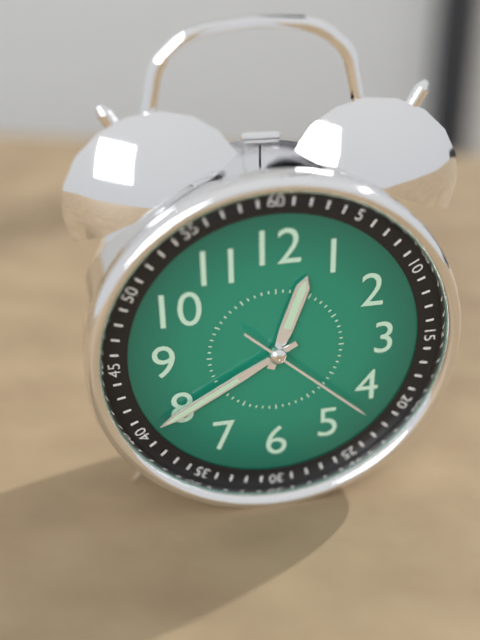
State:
12,40,22
